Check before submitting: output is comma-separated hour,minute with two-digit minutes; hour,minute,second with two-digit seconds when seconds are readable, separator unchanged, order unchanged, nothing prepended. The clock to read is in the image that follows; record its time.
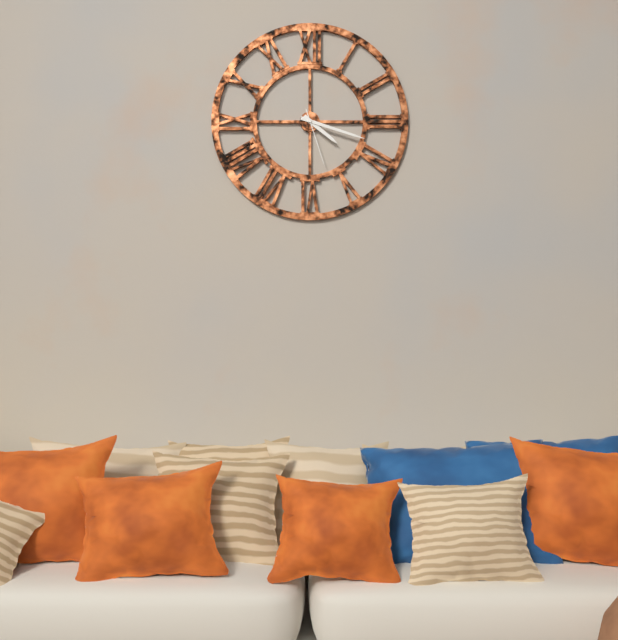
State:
4,18,27
